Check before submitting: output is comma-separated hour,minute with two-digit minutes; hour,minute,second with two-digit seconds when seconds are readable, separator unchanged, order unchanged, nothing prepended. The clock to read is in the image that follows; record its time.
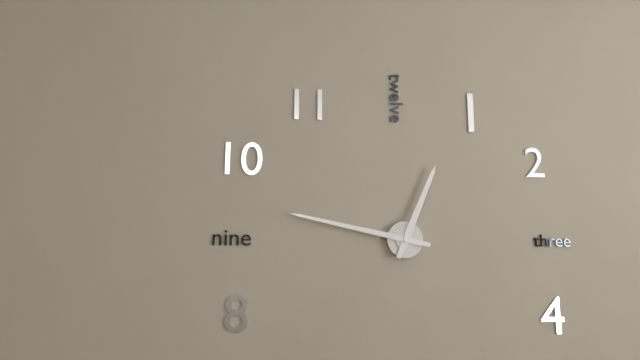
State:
12,47
